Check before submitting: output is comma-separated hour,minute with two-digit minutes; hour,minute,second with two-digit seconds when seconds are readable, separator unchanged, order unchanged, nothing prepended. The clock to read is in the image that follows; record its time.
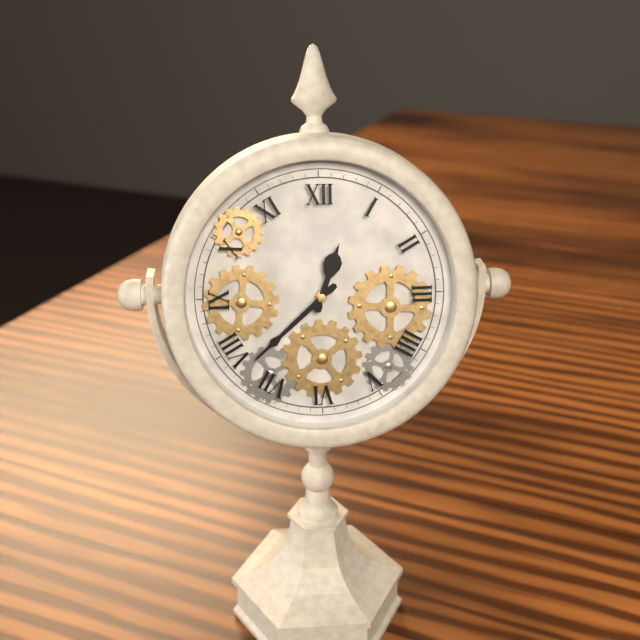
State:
12,38
